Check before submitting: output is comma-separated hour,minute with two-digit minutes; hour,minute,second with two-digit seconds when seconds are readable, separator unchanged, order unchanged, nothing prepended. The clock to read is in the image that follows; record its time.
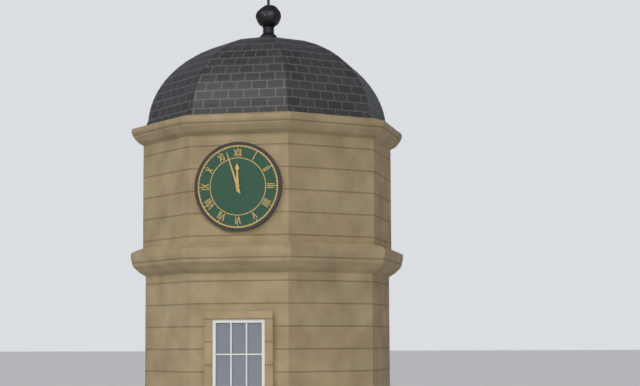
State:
11,57
